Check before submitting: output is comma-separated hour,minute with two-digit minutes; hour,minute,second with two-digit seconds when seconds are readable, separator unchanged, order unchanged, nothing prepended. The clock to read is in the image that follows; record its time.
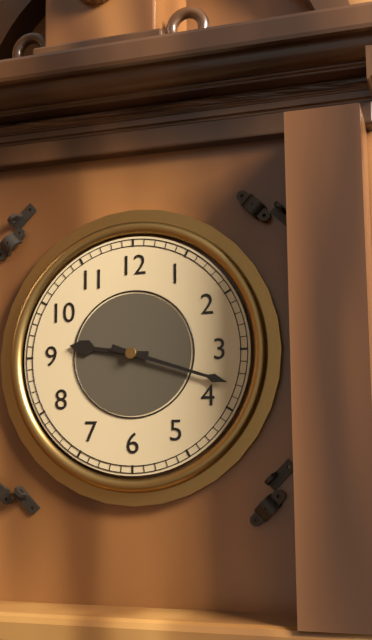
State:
9,18
